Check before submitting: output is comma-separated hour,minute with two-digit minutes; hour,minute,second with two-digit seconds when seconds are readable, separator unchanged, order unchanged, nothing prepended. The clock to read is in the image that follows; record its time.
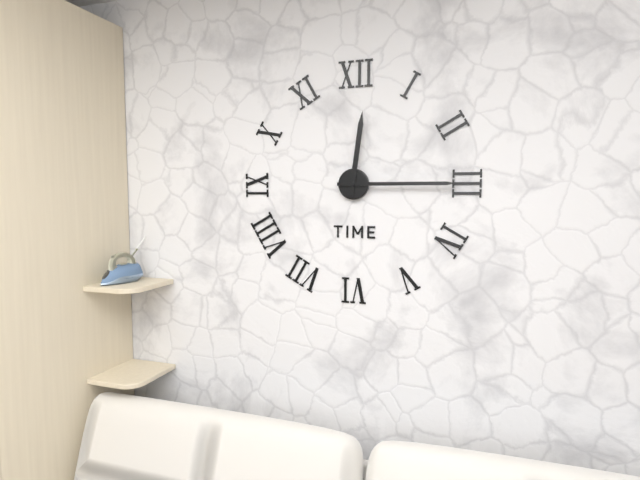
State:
12,15
